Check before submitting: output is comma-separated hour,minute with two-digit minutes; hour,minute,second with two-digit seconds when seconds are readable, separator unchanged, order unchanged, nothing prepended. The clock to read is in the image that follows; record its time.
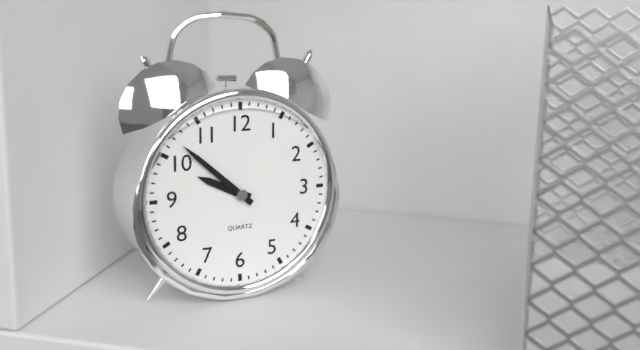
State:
9,52
